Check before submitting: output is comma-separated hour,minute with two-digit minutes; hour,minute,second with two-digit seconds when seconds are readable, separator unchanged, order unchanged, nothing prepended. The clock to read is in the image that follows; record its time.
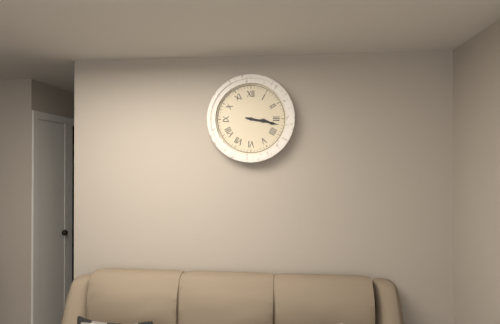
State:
3,17
